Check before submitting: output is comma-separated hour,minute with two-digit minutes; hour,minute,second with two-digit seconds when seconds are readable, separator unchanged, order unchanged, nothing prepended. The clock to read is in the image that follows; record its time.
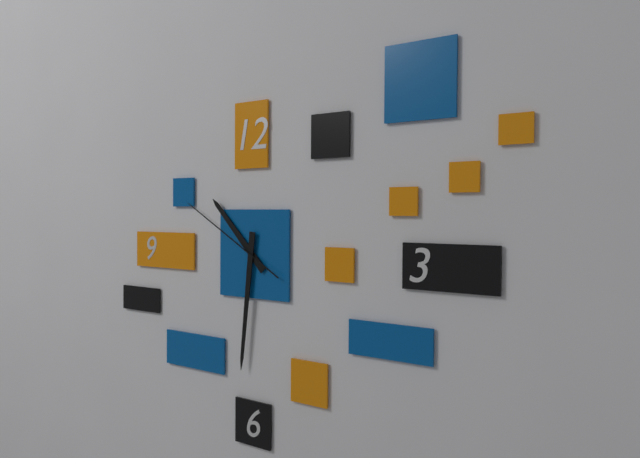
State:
10,31,50
